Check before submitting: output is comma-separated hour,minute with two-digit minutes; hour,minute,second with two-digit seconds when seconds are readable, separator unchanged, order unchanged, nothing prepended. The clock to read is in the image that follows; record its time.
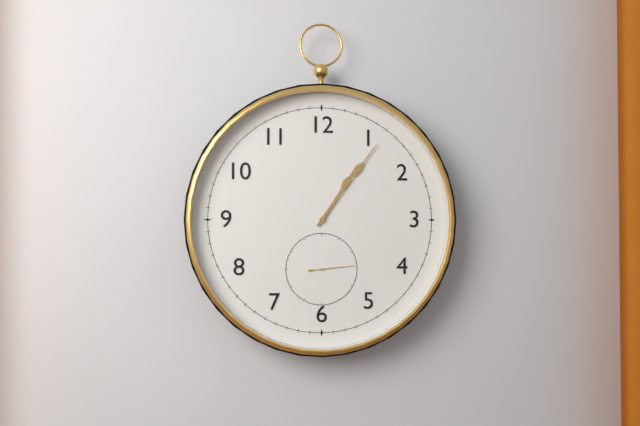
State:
1,06
